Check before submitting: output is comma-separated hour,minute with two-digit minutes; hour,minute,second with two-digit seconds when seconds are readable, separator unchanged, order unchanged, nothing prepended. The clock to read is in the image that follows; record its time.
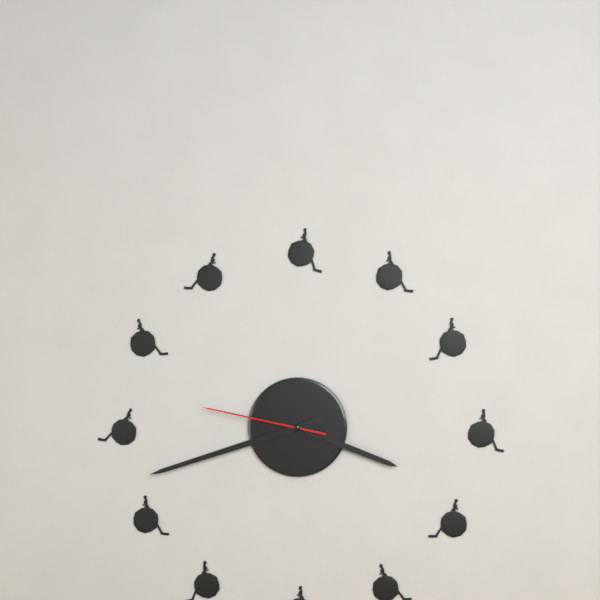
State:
3,42,47
